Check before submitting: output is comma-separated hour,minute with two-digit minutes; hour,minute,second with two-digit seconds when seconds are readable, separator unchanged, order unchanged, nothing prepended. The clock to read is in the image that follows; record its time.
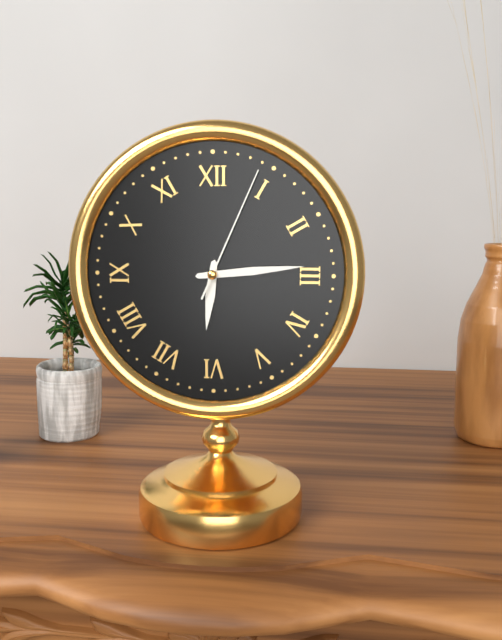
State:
6,14,04
